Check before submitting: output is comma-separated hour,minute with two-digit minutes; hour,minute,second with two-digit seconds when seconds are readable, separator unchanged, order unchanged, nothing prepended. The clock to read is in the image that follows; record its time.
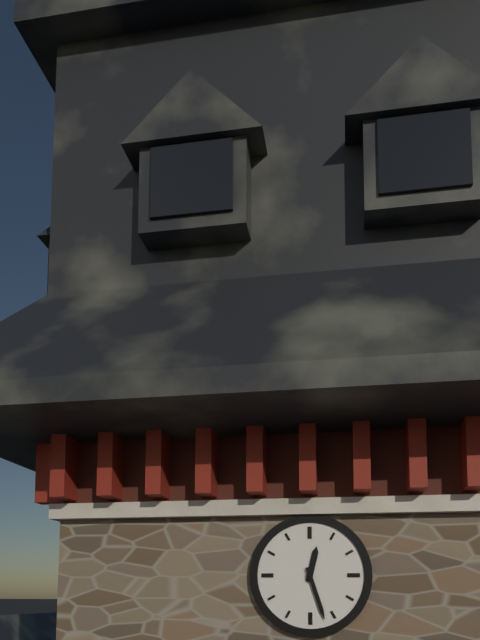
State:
12,27
